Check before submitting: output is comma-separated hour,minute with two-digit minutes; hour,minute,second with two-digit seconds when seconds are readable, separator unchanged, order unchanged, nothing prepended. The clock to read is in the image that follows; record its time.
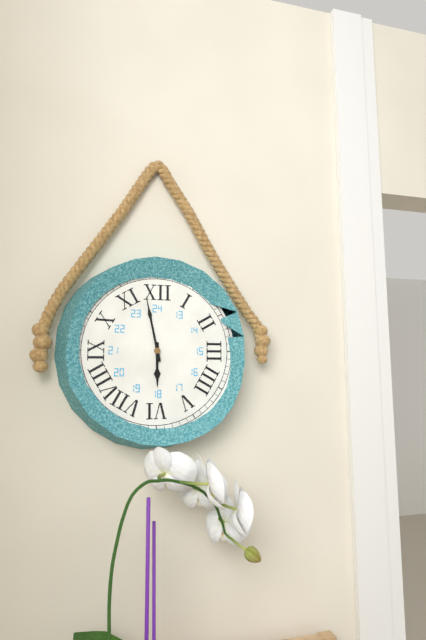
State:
5,58
